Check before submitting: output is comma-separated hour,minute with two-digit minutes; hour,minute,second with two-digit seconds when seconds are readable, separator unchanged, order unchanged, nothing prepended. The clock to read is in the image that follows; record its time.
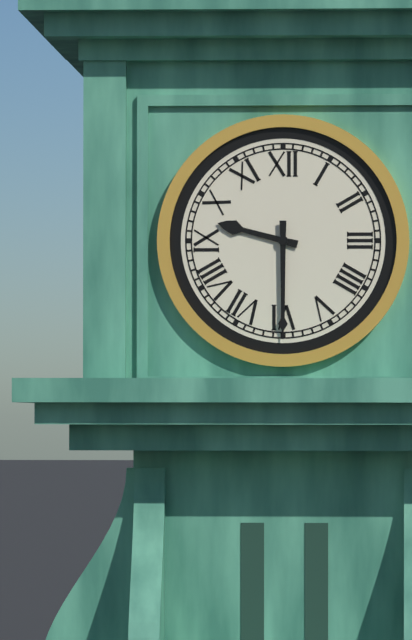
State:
9,30
